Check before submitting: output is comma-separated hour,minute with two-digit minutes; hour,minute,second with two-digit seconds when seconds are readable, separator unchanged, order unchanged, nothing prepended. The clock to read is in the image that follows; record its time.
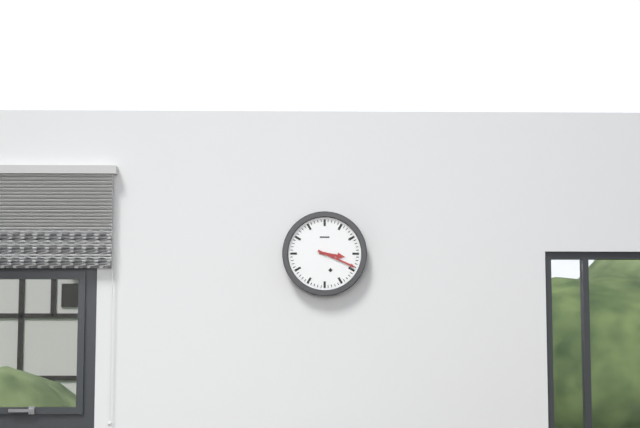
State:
3,19
